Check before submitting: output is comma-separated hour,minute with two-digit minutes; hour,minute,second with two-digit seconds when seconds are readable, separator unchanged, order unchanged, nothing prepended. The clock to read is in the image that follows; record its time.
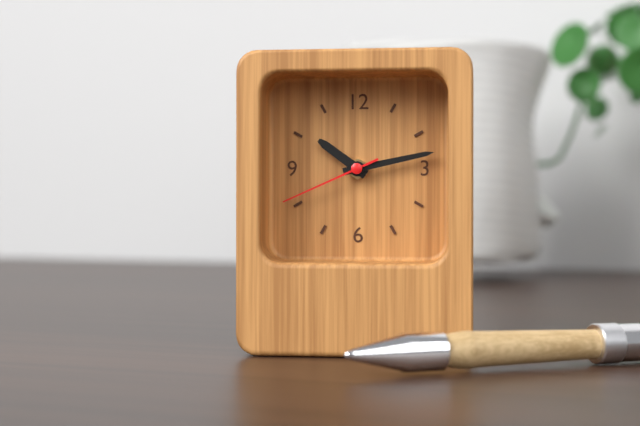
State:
10,13,41
